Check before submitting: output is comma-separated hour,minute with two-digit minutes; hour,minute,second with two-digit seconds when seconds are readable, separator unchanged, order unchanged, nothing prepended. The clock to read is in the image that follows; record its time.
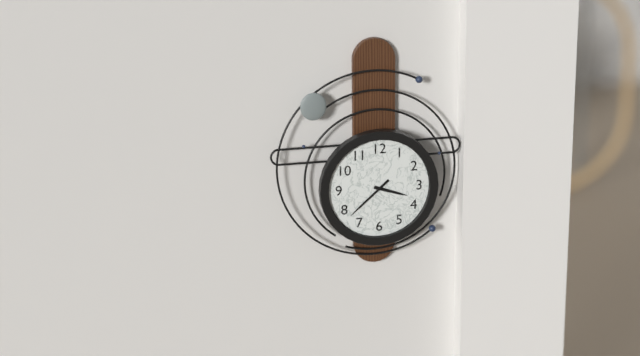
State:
3,38
